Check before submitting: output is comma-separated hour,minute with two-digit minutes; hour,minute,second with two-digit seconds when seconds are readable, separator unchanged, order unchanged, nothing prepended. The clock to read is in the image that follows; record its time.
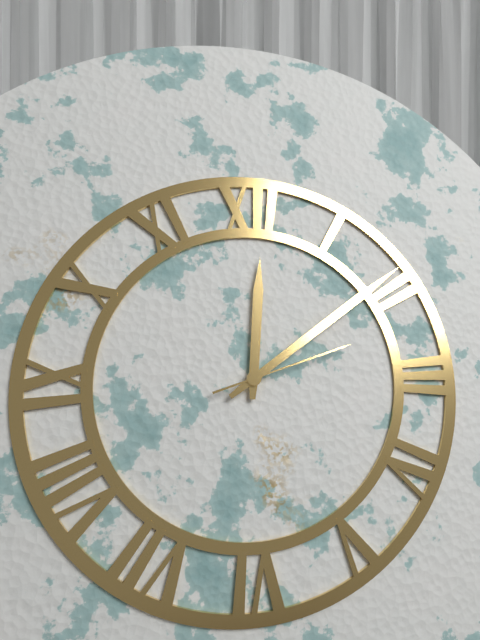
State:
12,09,12
